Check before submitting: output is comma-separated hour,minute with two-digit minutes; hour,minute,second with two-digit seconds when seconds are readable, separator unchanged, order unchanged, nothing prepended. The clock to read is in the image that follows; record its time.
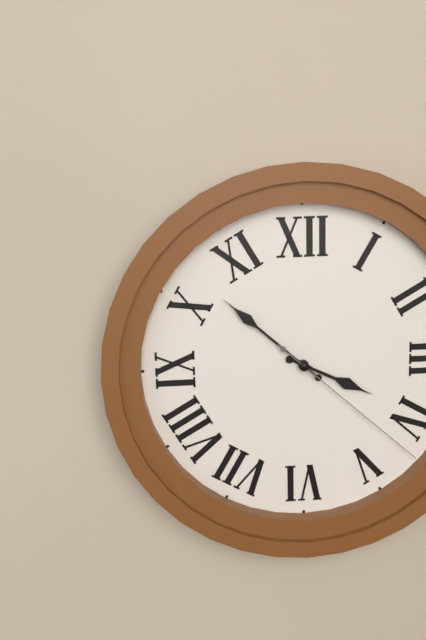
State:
3,52,22
